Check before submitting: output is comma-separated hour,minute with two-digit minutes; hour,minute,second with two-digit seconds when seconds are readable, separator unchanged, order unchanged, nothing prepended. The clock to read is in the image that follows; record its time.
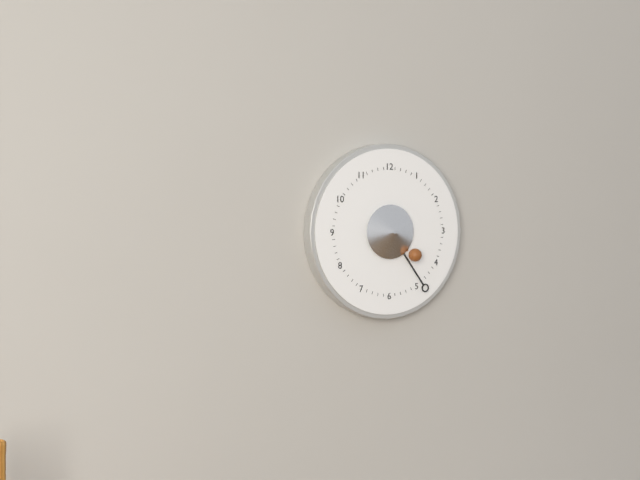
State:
4,24
